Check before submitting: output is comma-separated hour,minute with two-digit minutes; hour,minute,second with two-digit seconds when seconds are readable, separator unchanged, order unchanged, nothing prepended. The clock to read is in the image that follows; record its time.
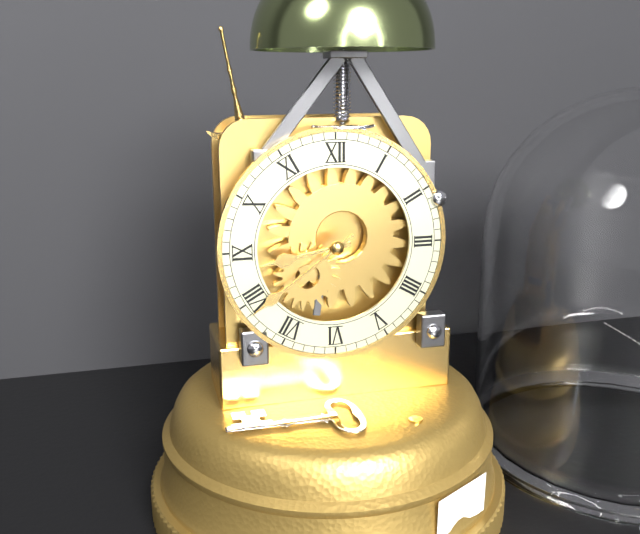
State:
8,39
